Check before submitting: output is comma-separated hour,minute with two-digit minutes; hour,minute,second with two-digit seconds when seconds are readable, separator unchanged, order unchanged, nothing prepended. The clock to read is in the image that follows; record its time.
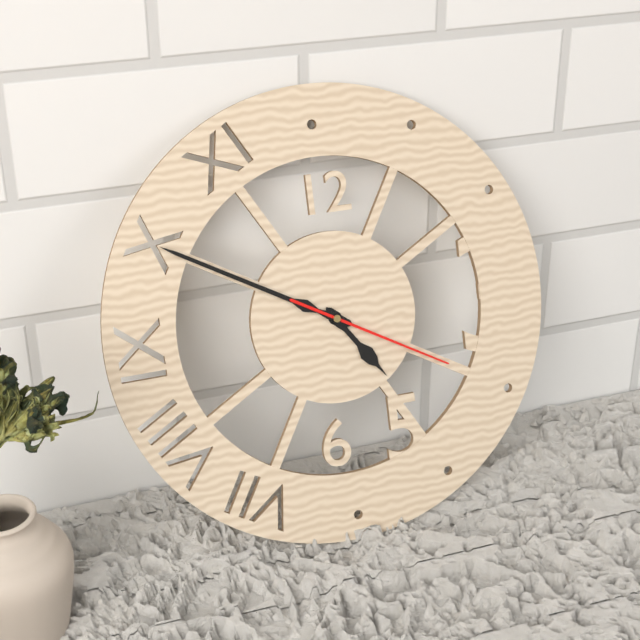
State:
4,50,20
